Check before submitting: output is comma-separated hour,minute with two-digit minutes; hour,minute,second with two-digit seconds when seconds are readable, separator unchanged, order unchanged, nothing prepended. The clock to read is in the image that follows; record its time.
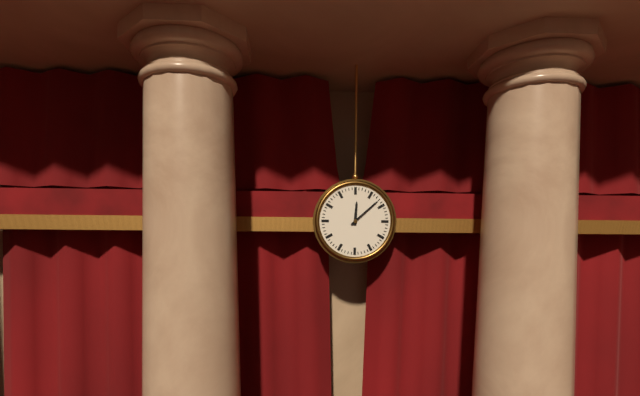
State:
12,08
